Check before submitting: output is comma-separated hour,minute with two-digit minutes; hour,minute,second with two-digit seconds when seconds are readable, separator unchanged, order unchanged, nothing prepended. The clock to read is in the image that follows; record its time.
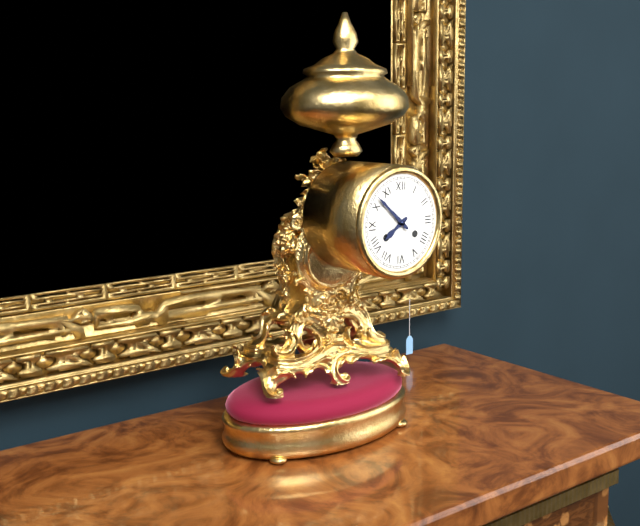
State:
7,52
